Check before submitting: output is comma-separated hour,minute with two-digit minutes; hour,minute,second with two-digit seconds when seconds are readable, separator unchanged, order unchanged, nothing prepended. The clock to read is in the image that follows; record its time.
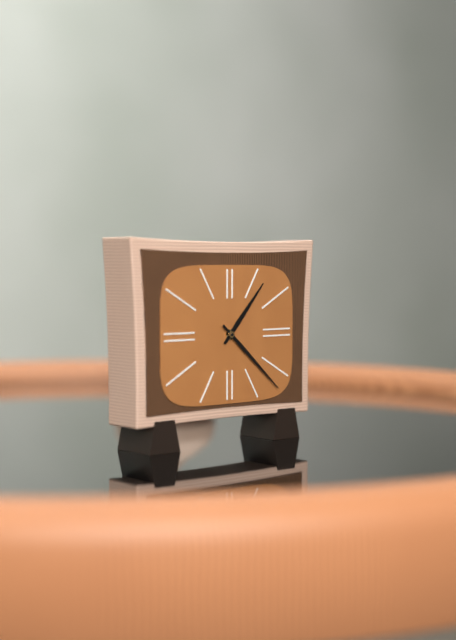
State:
1,22
